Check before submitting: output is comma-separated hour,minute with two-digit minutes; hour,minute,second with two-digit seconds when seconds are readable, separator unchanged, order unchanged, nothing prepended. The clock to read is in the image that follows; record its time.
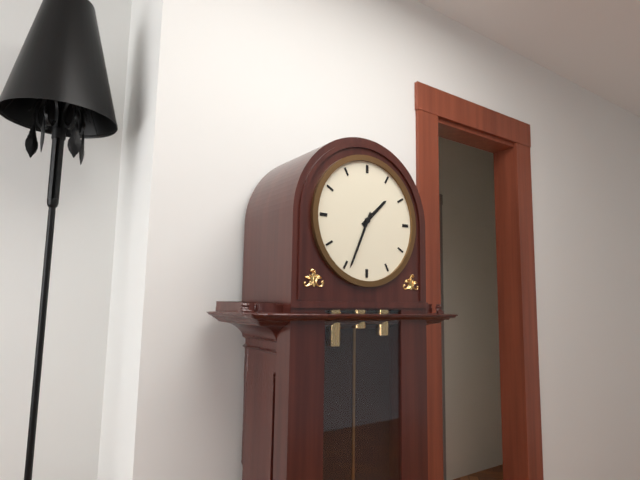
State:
1,34
